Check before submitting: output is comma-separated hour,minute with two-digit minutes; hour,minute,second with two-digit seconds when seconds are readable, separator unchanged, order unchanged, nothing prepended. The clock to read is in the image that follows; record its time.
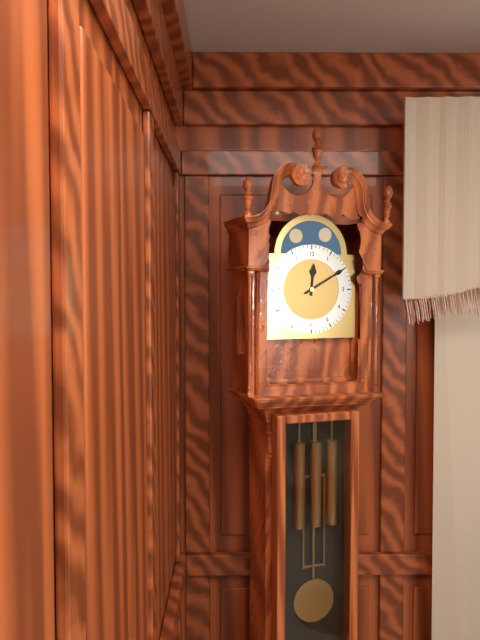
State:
12,10
